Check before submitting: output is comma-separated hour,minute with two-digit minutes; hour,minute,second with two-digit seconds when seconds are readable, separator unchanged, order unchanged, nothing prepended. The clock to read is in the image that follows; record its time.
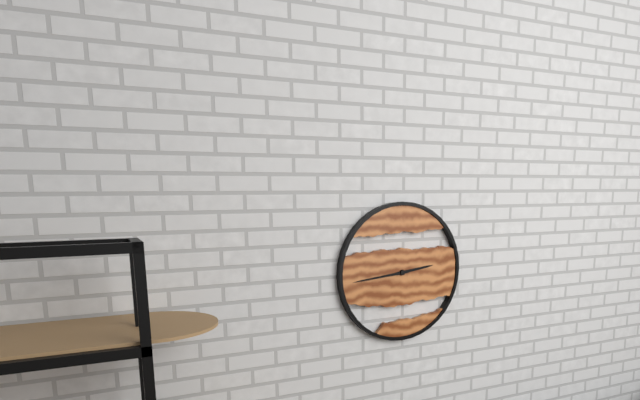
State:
2,44
